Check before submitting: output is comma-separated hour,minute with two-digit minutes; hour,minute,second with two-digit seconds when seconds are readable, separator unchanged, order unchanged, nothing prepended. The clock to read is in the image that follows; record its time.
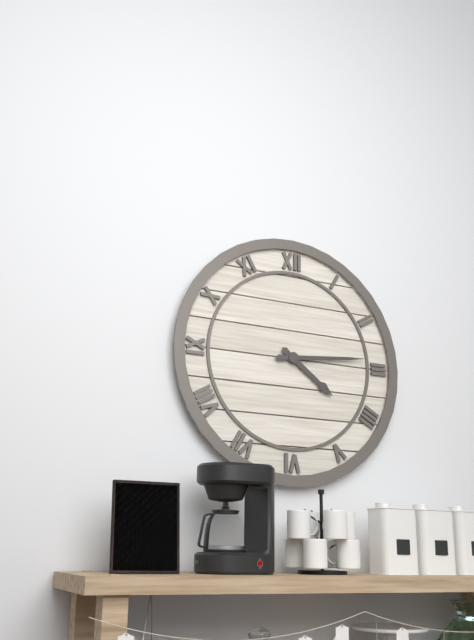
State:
4,14
